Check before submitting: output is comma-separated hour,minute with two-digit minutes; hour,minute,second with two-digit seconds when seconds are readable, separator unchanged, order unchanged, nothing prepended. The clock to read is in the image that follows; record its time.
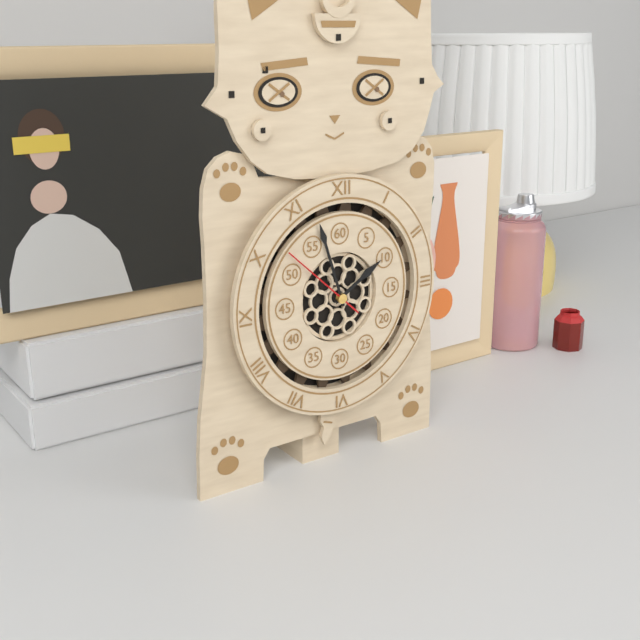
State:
1,57,52
